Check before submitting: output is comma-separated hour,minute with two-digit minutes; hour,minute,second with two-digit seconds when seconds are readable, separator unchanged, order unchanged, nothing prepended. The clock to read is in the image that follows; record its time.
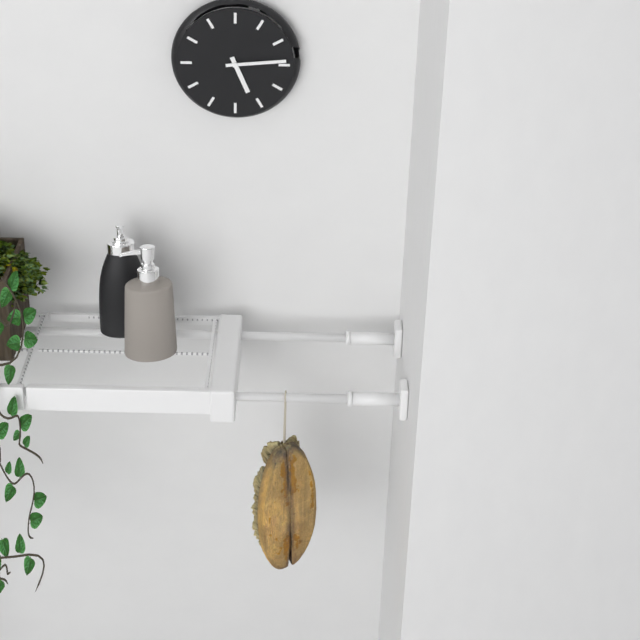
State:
5,14
